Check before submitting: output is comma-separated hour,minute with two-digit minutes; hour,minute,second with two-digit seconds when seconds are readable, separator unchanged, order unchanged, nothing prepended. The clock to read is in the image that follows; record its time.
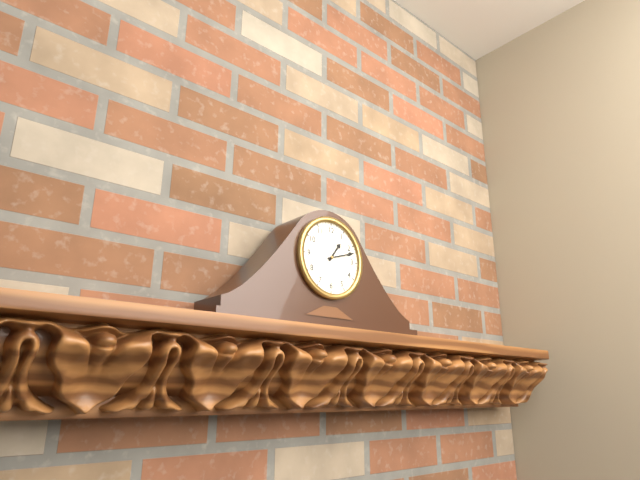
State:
1,12
